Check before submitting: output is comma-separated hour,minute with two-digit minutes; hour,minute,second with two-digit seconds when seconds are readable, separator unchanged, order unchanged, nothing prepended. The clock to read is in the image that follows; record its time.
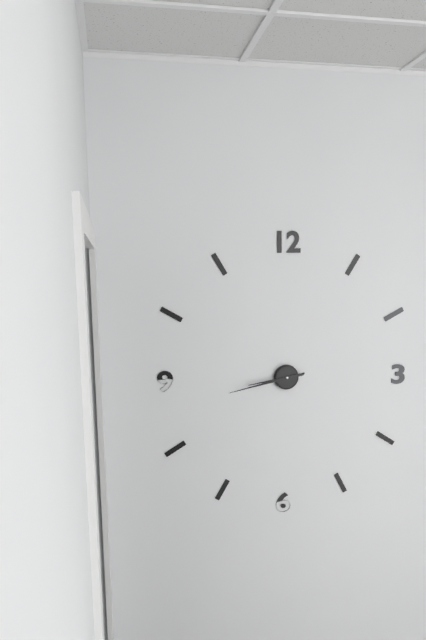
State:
8,43
